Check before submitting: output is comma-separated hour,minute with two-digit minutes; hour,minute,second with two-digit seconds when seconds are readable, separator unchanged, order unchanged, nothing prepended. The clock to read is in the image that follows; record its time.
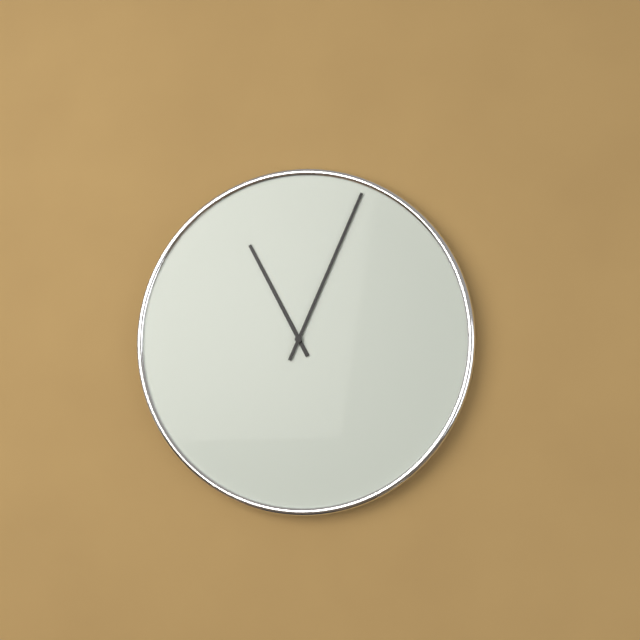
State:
11,04
